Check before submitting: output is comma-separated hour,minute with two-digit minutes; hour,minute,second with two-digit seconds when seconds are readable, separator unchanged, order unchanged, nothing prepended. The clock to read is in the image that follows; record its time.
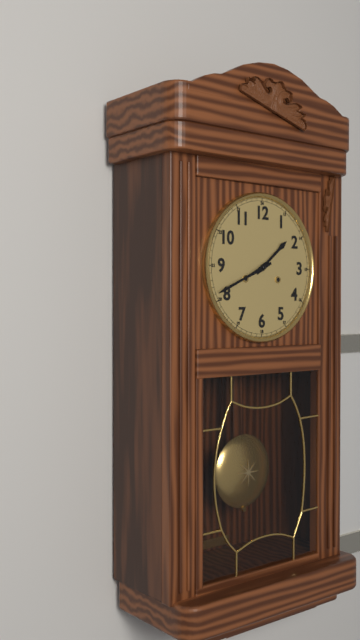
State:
1,41
